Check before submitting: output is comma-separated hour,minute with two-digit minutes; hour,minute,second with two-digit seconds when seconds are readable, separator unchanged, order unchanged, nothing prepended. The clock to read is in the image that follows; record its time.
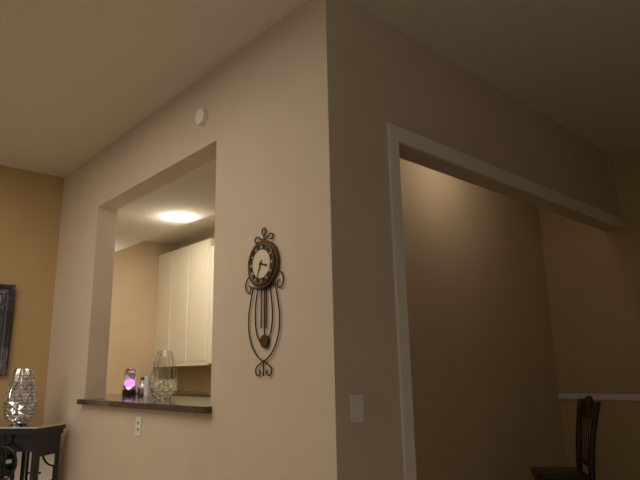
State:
3,34
